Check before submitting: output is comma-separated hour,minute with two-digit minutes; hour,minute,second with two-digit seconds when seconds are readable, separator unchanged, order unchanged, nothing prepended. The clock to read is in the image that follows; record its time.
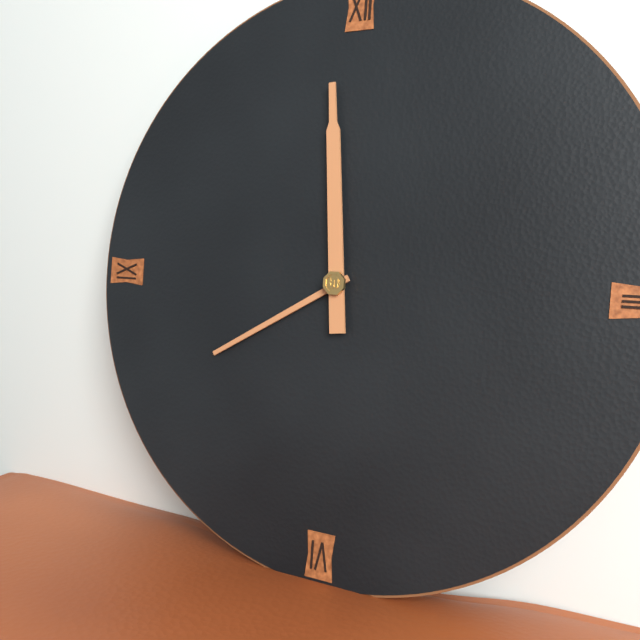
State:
7,59
